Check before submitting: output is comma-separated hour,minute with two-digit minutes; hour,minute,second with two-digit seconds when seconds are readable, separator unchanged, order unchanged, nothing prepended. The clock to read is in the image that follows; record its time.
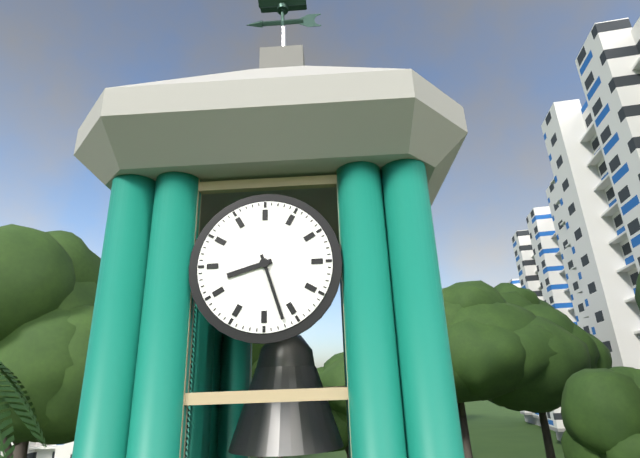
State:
8,27
